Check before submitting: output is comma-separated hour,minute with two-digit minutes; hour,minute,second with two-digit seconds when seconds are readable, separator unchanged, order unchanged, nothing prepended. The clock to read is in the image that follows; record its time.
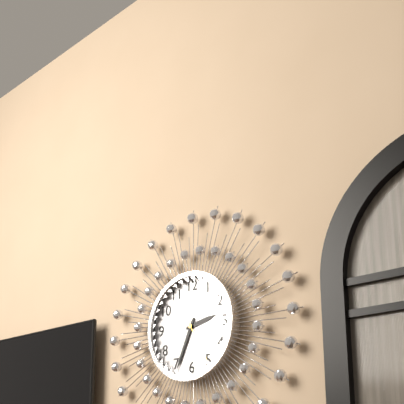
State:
2,34
